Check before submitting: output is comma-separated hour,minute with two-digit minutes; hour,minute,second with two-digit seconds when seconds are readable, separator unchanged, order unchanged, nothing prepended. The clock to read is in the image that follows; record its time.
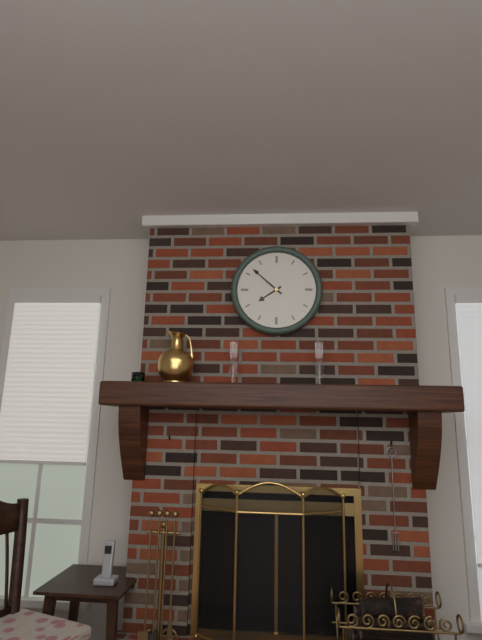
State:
7,52
